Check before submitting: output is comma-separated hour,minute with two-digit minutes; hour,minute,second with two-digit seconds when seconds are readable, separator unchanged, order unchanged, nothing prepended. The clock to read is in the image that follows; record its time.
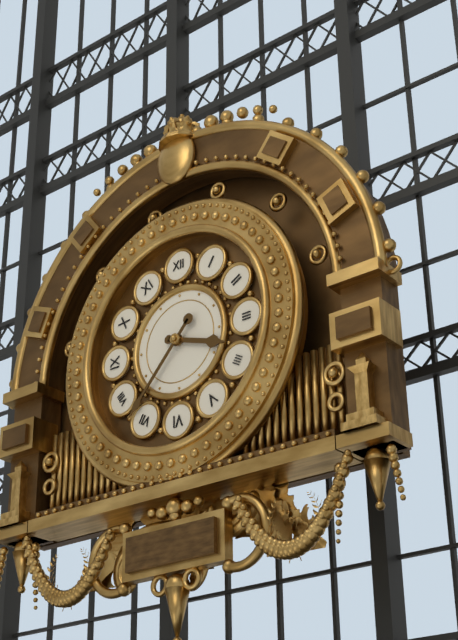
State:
3,37
